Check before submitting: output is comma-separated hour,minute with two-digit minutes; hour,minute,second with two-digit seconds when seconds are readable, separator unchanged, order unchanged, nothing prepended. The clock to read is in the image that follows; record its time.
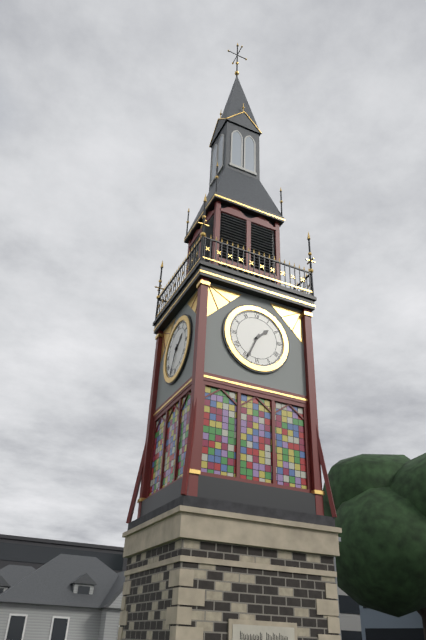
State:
1,34
